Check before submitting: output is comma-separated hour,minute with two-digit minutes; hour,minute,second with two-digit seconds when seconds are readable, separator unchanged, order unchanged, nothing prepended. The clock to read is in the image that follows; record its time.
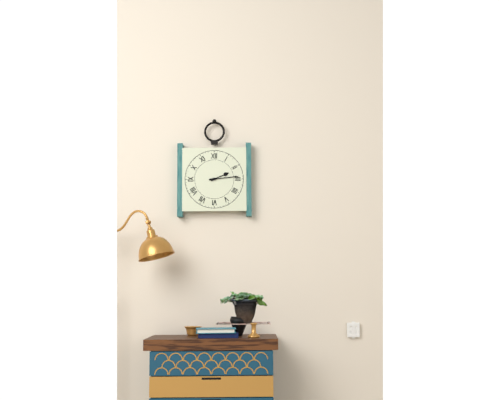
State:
2,14
